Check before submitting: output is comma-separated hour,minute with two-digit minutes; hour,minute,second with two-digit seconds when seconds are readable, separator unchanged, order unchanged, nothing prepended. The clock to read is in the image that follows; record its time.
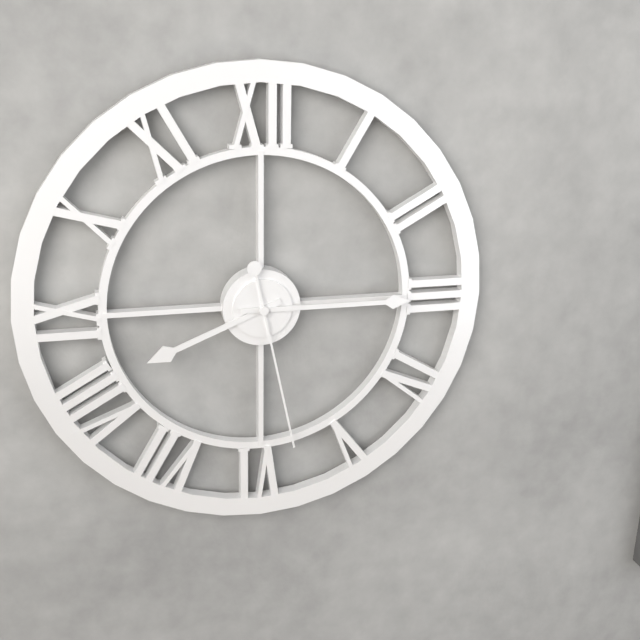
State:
8,15,28
